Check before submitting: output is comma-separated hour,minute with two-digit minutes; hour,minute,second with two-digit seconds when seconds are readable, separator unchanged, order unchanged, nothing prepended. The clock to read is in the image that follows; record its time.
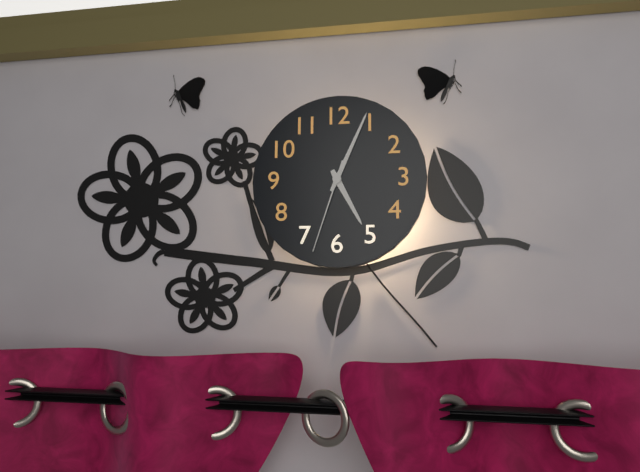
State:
5,04,33
